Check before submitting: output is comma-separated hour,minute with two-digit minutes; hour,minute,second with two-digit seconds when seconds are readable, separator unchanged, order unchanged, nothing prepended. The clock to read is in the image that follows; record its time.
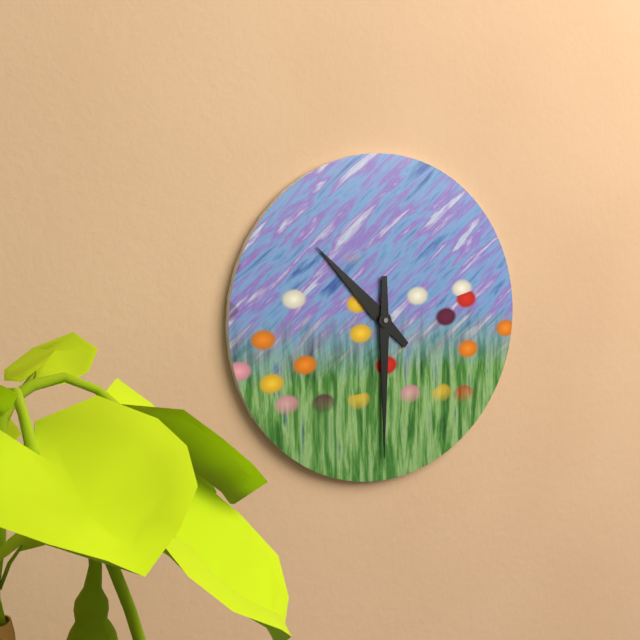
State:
10,30
